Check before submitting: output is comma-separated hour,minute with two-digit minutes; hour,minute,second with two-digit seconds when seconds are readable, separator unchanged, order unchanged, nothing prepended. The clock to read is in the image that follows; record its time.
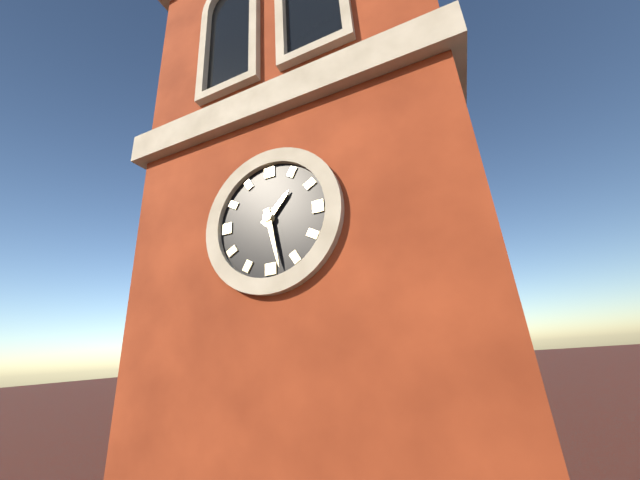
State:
1,28
